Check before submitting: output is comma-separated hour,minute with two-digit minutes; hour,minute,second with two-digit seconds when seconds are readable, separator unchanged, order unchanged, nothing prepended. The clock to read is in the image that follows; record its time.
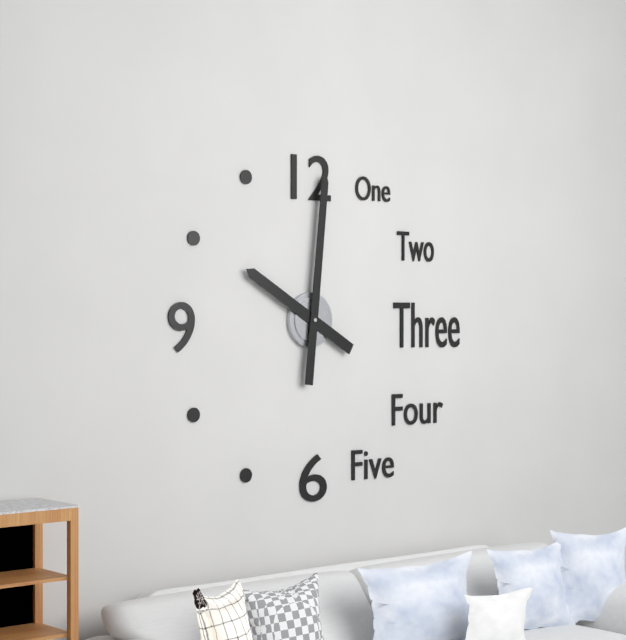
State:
10,01
